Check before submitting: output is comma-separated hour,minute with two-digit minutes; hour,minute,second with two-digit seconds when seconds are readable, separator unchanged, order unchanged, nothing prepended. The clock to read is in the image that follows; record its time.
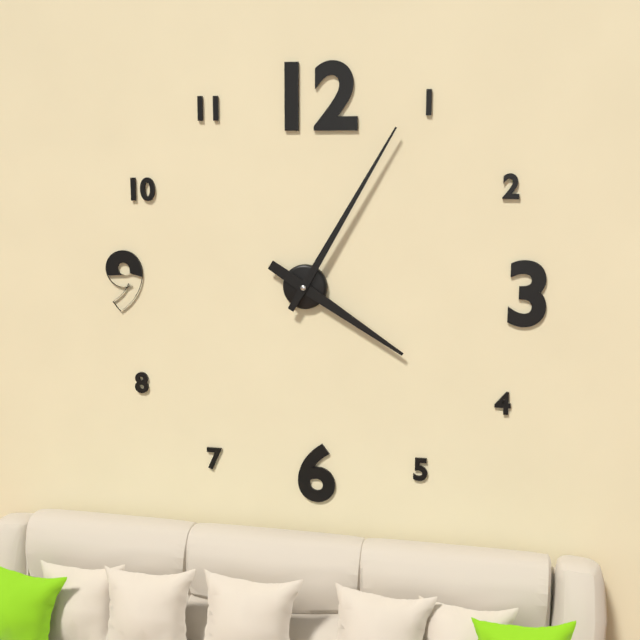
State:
4,05
